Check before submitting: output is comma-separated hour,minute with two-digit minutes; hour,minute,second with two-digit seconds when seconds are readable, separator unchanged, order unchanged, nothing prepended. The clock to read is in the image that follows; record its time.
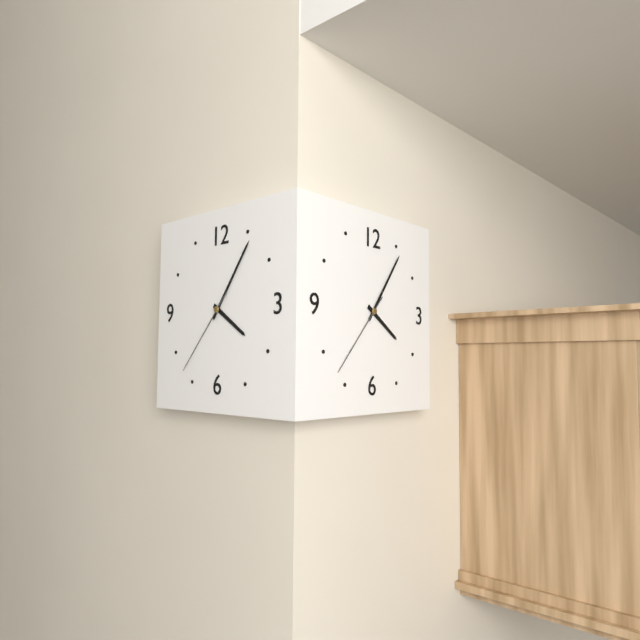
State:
4,06,37
